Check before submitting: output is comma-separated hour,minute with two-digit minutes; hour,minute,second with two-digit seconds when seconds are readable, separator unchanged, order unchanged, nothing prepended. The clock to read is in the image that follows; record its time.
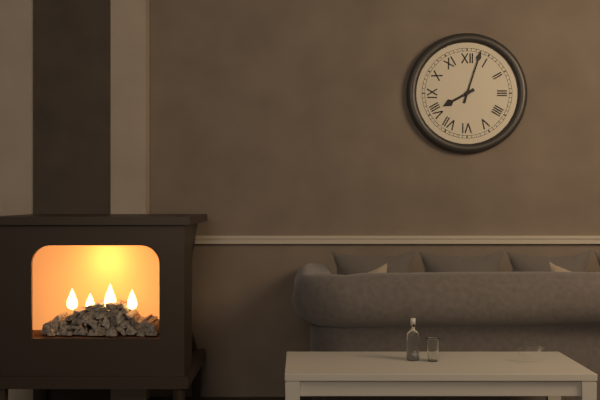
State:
8,03
